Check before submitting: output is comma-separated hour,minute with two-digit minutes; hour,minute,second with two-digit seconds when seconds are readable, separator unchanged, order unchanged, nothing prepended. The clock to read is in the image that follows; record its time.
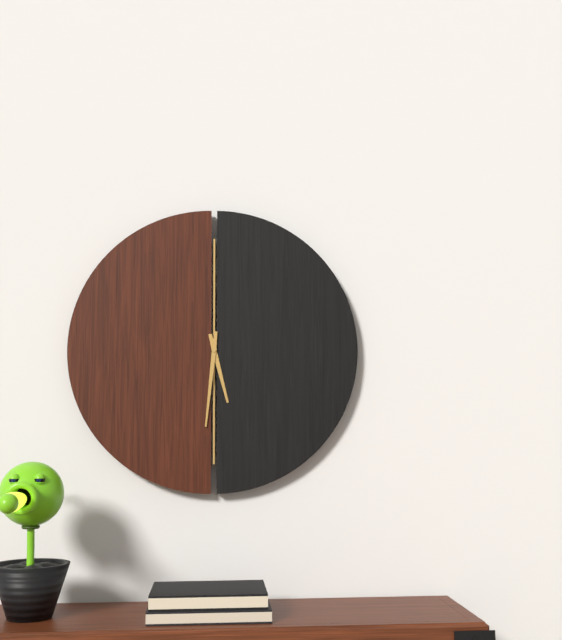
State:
5,31
